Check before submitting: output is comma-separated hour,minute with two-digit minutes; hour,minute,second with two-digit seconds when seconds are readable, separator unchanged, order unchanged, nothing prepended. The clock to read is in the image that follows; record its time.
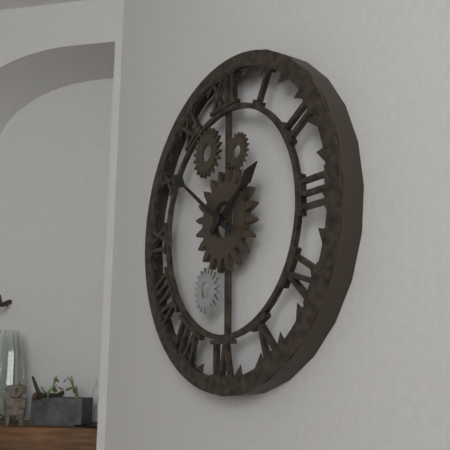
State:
1,51
